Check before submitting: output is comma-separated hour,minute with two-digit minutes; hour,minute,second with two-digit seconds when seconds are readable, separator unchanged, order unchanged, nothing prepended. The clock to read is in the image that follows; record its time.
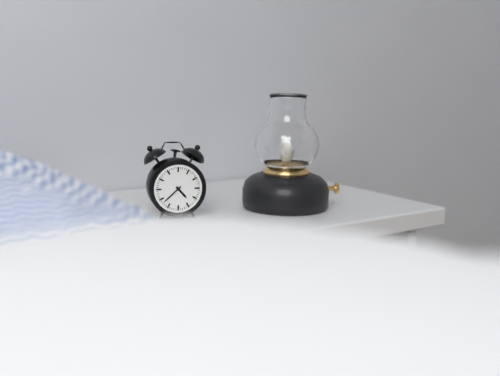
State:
4,38
